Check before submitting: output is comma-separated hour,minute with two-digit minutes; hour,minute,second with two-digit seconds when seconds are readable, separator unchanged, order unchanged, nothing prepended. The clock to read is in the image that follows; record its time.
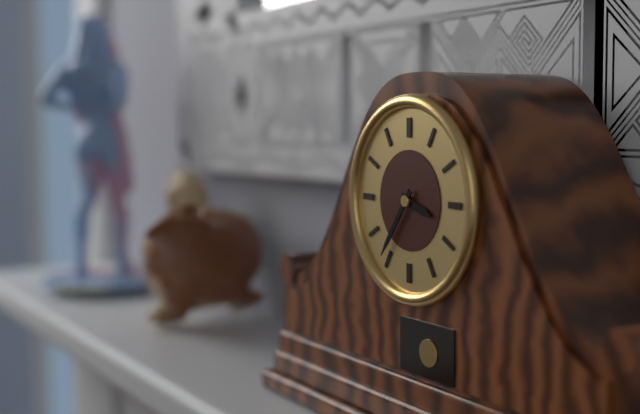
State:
3,36
